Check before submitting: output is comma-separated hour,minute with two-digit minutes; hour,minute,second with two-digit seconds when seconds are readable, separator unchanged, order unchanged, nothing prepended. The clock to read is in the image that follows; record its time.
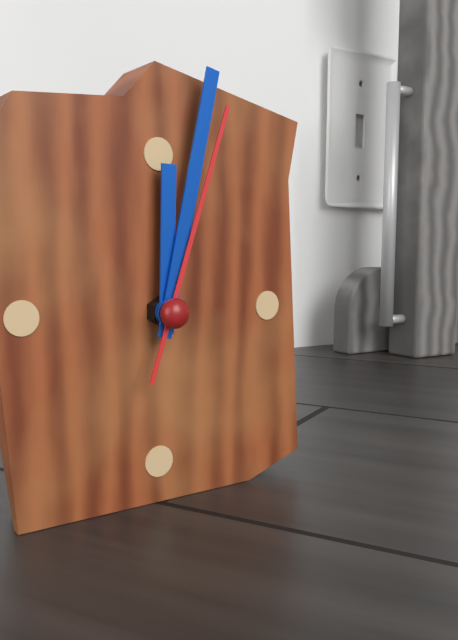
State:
12,02,03
